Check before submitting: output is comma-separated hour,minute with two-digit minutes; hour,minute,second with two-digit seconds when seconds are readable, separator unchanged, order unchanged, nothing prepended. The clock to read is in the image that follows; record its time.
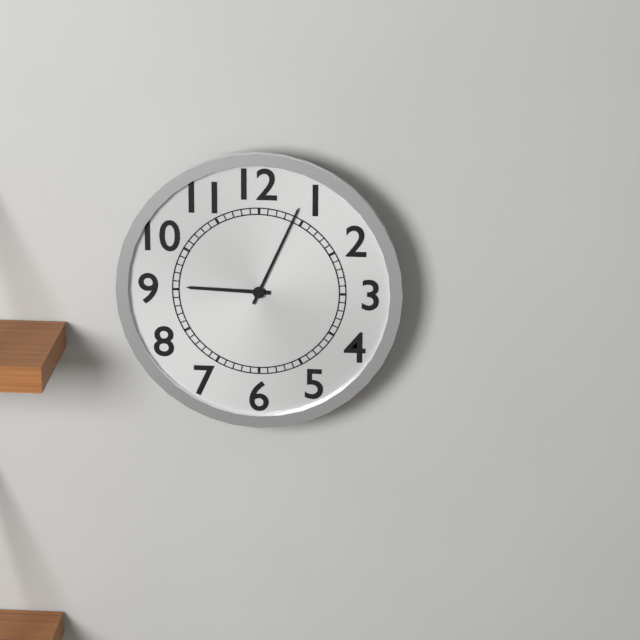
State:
9,04
